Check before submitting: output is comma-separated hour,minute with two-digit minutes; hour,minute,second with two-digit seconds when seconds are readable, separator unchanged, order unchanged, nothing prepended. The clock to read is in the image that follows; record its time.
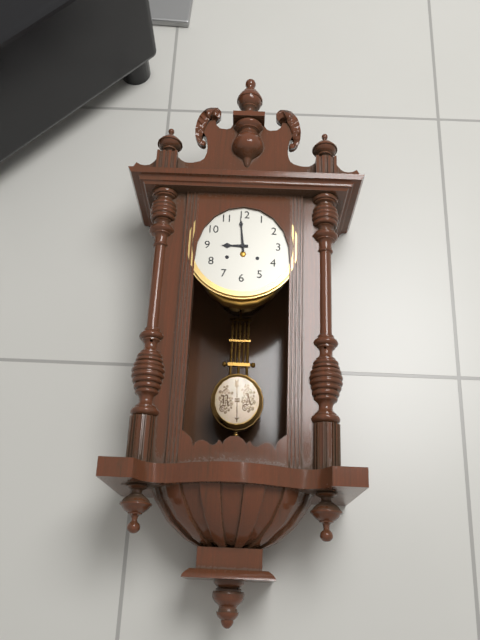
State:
8,59
